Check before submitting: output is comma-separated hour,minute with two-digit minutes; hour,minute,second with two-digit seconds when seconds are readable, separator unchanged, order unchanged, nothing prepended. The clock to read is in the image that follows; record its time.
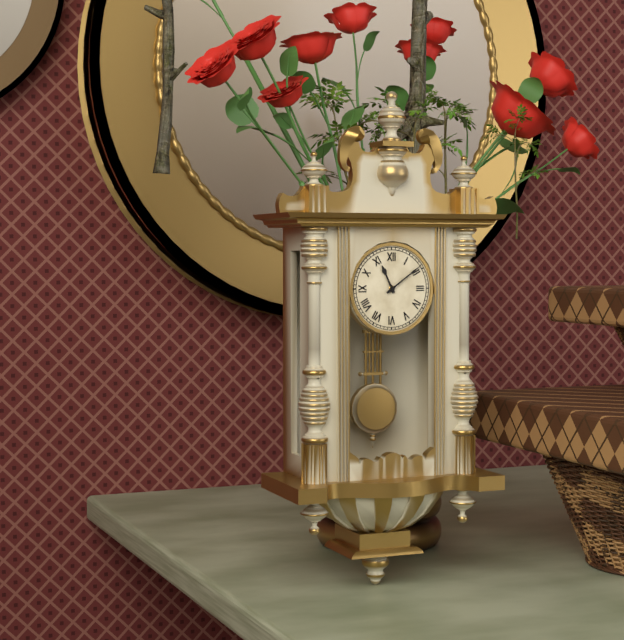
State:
11,09
